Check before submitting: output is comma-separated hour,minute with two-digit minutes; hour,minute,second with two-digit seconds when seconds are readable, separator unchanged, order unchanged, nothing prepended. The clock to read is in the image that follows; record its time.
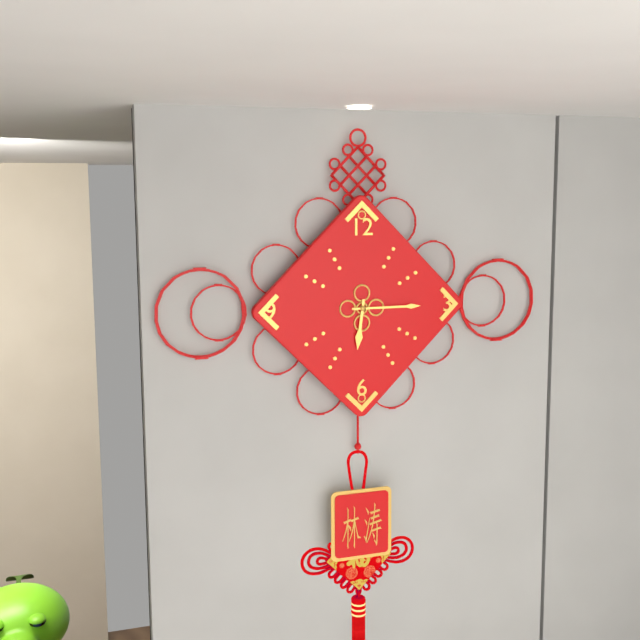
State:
6,15
